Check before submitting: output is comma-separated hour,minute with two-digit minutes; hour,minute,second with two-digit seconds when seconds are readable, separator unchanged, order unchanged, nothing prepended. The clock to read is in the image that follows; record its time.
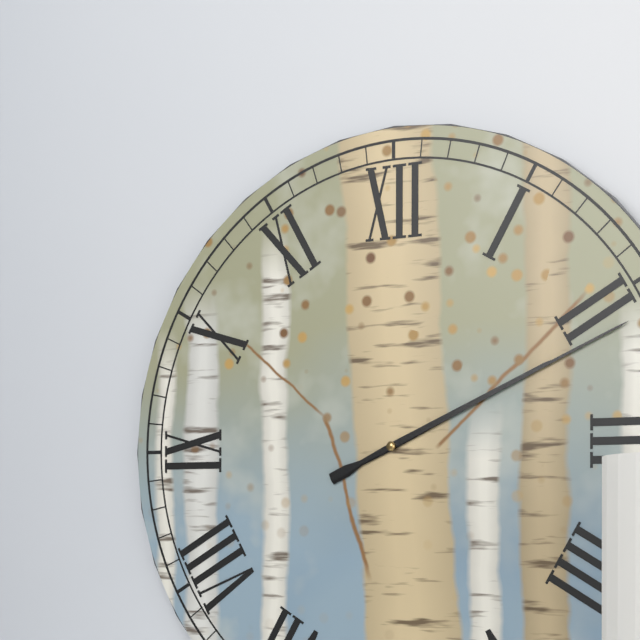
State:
2,11
